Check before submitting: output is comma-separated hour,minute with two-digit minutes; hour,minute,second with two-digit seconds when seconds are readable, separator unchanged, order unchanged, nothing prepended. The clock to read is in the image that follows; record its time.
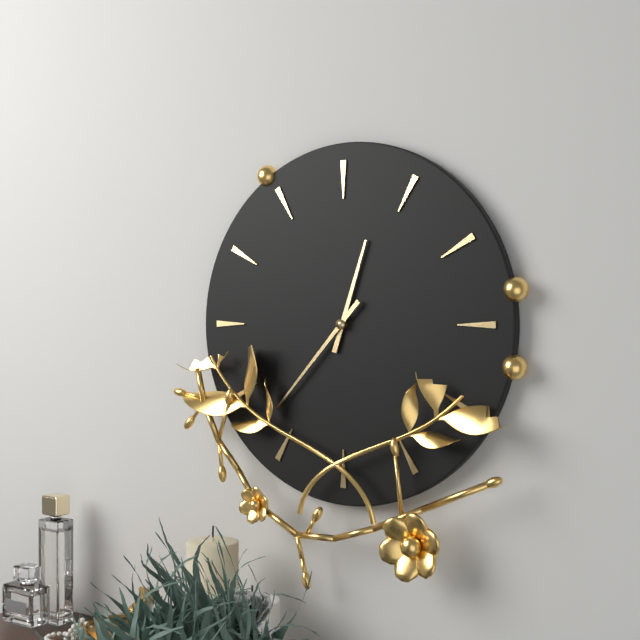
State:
12,37
